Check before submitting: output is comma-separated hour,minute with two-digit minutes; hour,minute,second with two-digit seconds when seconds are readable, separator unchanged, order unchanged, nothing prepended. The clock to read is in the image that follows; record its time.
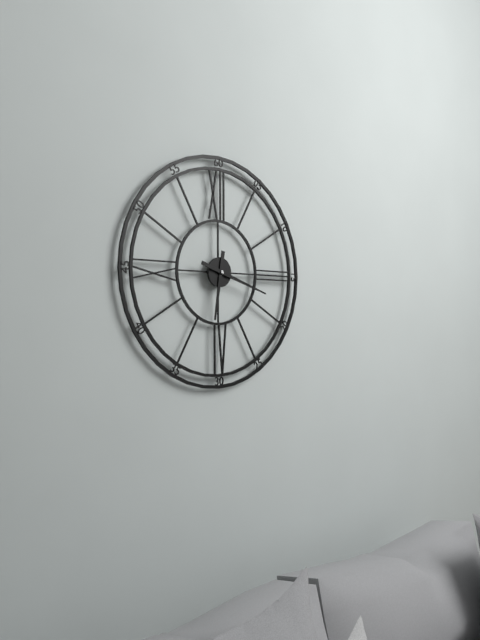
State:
6,18
